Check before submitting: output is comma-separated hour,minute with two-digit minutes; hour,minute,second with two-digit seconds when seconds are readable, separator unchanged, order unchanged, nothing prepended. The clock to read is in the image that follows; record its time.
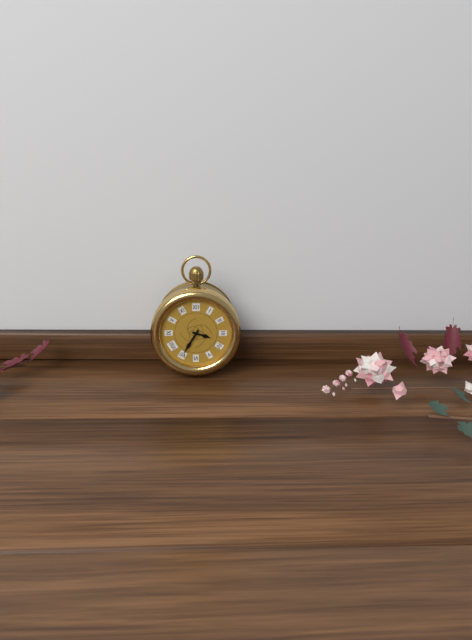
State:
3,35
